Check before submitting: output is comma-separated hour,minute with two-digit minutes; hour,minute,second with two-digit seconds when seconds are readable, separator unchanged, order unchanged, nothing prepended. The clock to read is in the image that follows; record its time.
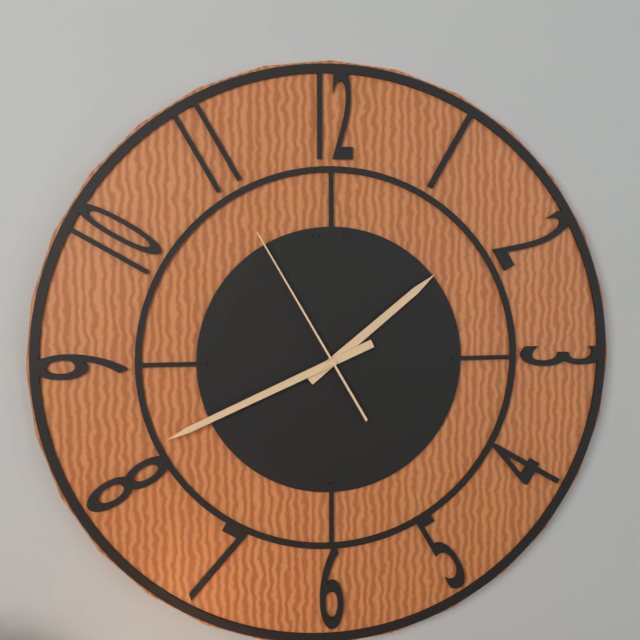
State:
1,41,55
